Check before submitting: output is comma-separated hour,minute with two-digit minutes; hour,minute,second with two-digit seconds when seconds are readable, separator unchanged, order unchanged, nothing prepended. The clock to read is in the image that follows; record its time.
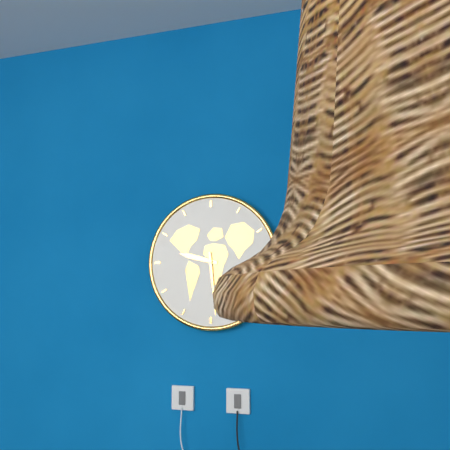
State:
9,29
